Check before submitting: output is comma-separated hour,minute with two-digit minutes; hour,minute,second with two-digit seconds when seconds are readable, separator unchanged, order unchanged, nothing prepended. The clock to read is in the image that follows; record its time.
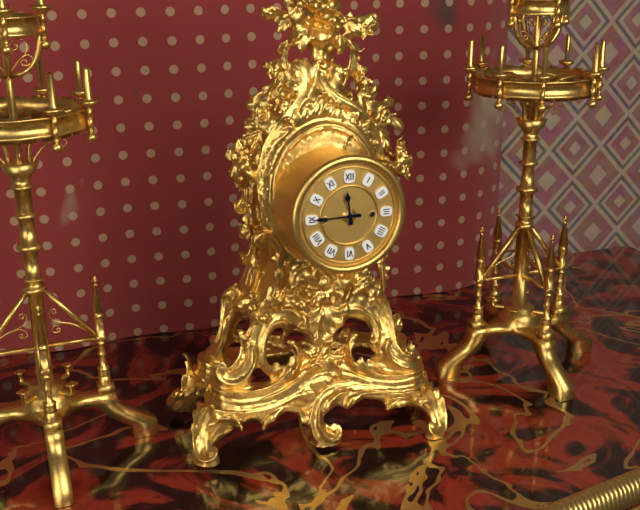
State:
11,45
